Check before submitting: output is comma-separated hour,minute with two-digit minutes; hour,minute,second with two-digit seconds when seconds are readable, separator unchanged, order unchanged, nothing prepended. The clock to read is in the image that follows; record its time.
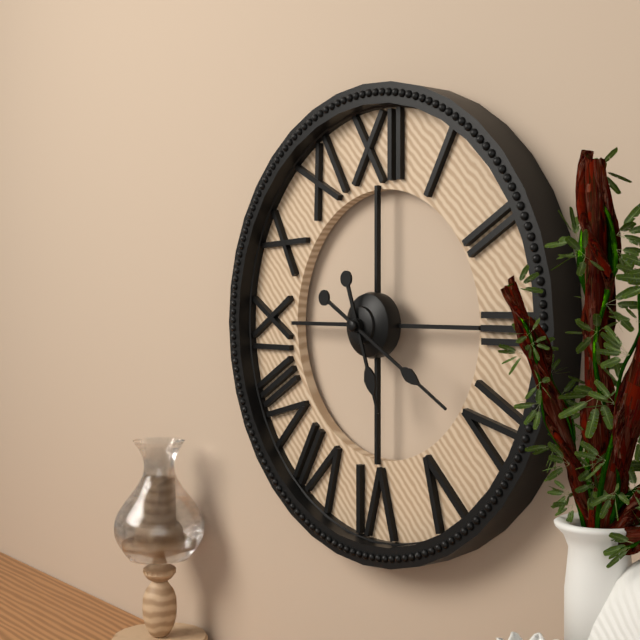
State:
5,20
